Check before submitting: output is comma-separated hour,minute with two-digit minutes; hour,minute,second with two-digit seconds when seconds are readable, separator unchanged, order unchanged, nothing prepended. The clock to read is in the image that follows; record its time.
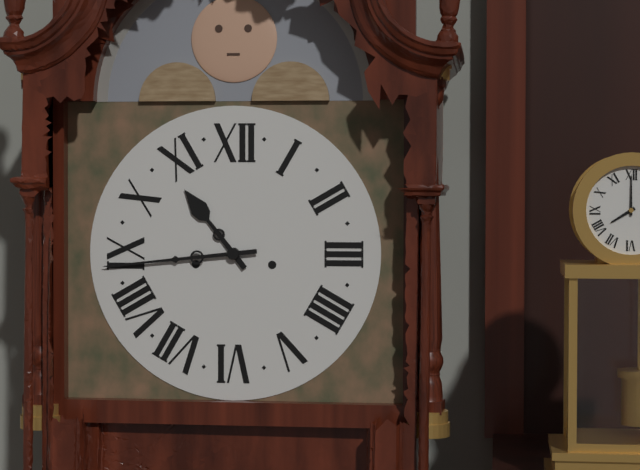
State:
10,44
